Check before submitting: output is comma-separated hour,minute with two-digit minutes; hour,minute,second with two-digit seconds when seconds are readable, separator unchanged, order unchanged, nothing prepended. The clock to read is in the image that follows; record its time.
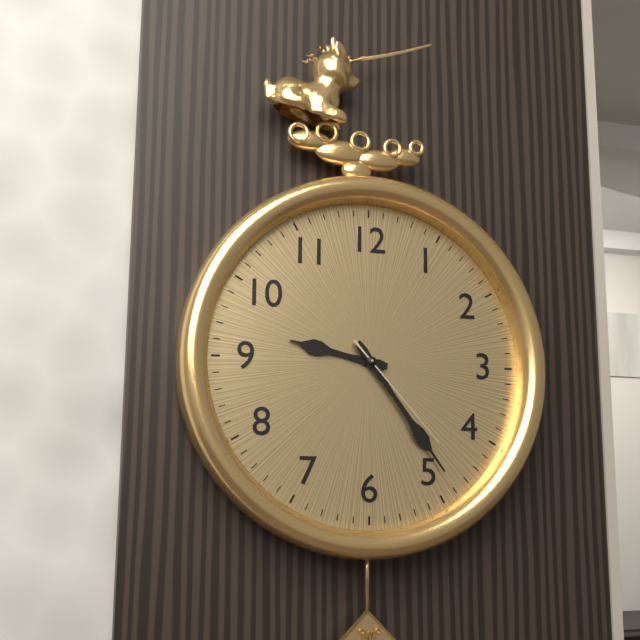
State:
9,24,23
